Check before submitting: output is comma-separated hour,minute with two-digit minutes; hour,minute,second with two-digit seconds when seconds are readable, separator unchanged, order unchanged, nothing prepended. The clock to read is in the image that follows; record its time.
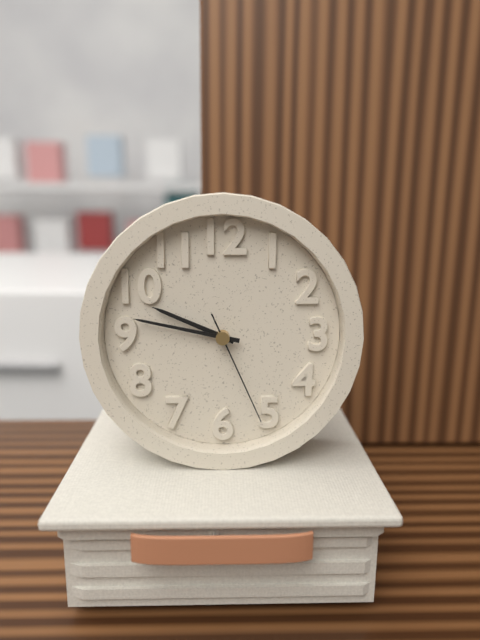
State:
9,47,26
